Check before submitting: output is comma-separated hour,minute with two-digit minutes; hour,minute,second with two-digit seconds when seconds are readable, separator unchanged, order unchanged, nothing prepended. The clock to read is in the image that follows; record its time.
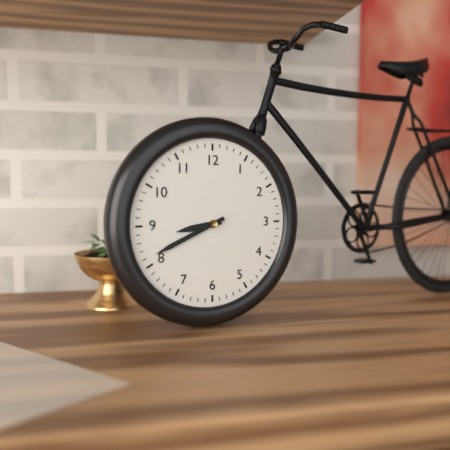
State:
8,41
